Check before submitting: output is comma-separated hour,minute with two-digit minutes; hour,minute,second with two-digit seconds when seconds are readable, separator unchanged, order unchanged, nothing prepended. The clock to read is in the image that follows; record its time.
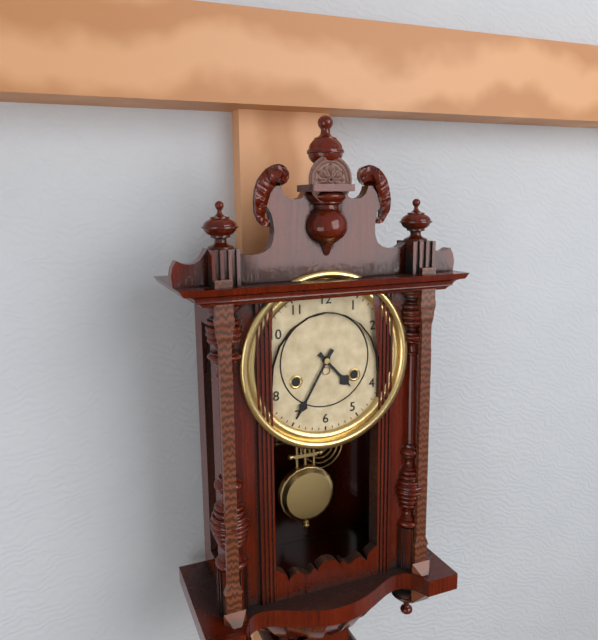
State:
4,35
